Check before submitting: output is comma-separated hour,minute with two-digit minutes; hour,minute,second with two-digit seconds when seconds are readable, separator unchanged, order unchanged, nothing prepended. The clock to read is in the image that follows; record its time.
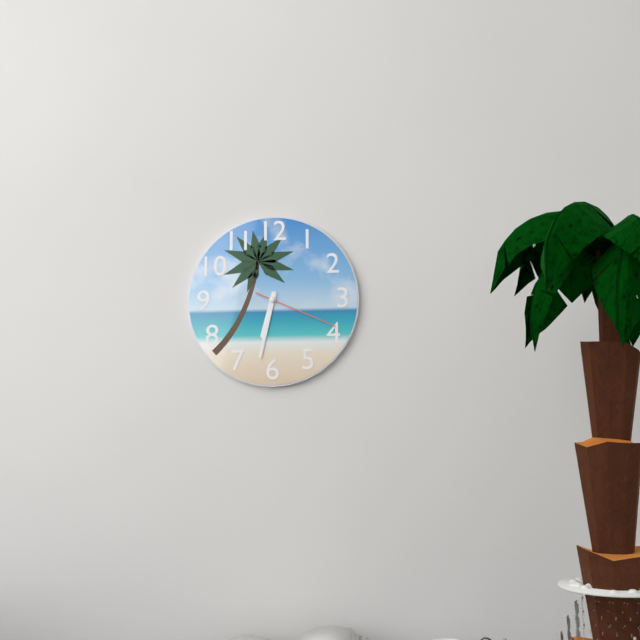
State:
6,32,19
